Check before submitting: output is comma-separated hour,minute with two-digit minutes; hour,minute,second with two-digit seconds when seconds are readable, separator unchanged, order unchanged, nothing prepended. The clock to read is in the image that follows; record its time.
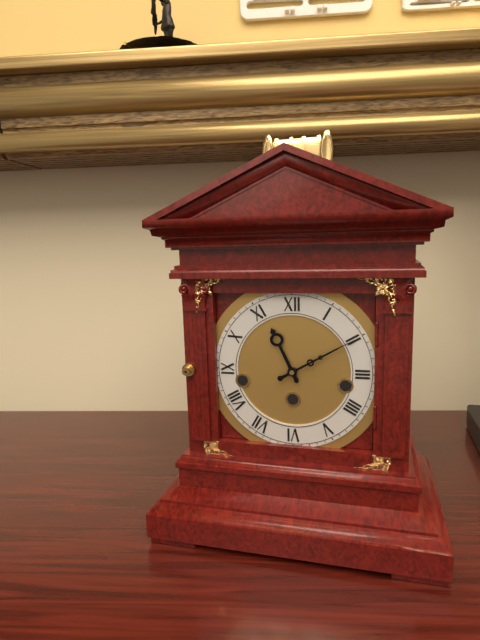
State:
11,10
